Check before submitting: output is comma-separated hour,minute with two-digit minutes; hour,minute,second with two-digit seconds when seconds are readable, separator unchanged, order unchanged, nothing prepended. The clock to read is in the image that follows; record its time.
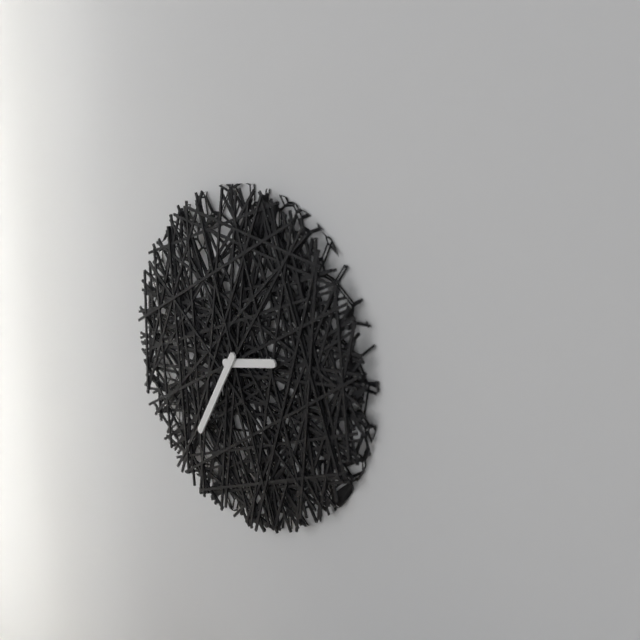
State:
2,35
